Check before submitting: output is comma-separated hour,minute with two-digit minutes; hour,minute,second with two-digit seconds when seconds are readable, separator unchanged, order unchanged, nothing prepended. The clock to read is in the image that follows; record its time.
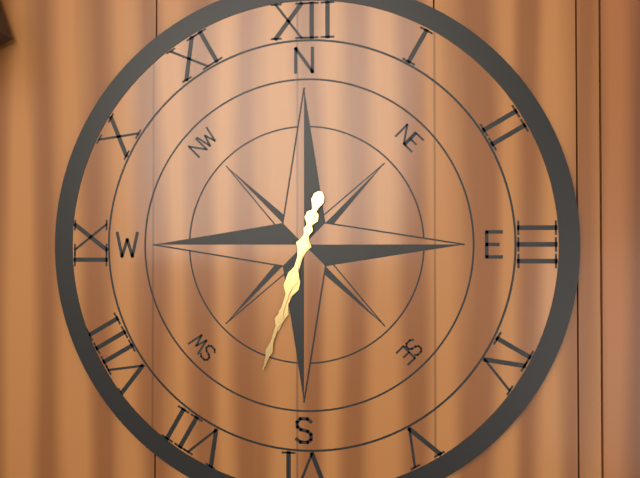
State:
6,33
